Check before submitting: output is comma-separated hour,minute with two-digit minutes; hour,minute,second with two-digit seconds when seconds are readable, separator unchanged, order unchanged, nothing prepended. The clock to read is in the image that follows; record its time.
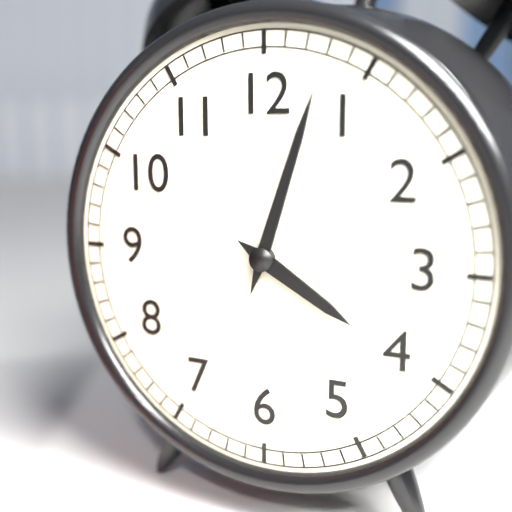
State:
4,03
